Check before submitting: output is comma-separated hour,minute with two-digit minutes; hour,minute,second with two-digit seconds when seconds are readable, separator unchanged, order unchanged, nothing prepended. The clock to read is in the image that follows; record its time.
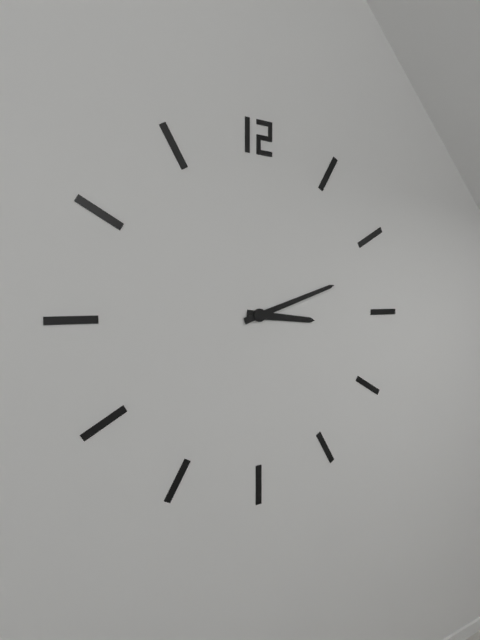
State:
3,12
